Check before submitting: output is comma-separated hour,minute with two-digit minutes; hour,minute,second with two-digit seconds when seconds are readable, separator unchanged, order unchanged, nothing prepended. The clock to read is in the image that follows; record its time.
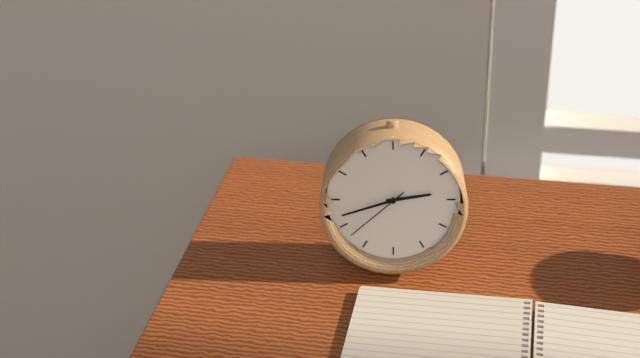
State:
2,42,38
